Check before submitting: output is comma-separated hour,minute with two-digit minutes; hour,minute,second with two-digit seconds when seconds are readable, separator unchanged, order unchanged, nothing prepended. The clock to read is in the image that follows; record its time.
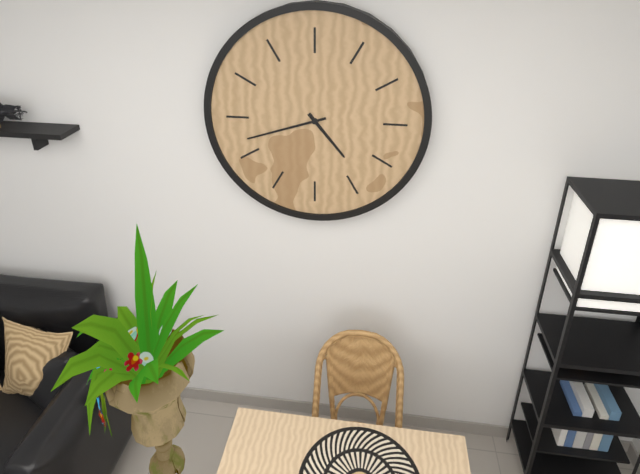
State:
4,42
